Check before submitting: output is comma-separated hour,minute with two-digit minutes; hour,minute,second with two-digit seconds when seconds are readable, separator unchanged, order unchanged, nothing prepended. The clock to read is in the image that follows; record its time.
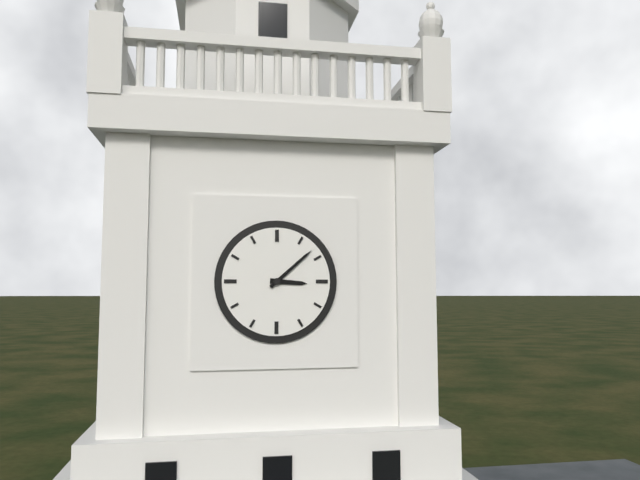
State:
3,08
